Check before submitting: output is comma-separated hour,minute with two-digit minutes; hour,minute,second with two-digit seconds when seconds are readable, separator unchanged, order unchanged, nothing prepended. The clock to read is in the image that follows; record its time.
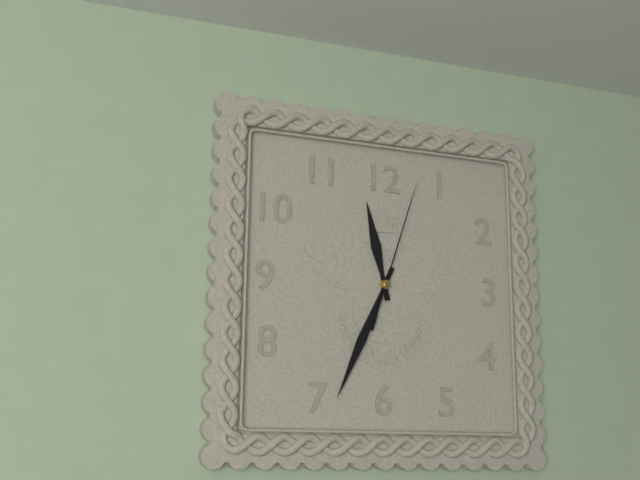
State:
11,34,03
